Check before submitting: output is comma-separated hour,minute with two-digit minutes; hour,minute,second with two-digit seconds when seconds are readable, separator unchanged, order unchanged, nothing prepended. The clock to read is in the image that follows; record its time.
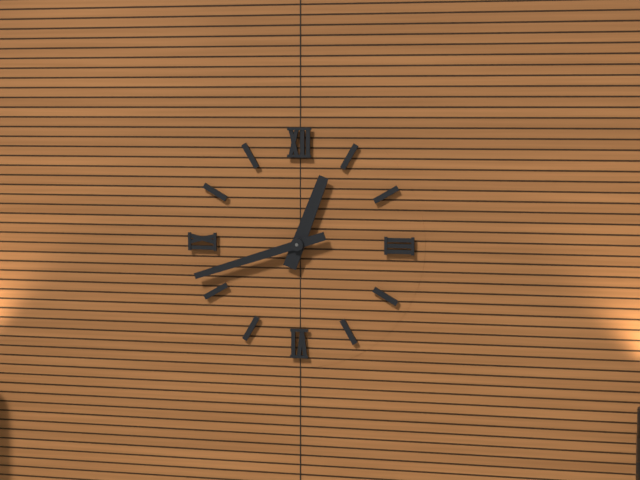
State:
12,42
